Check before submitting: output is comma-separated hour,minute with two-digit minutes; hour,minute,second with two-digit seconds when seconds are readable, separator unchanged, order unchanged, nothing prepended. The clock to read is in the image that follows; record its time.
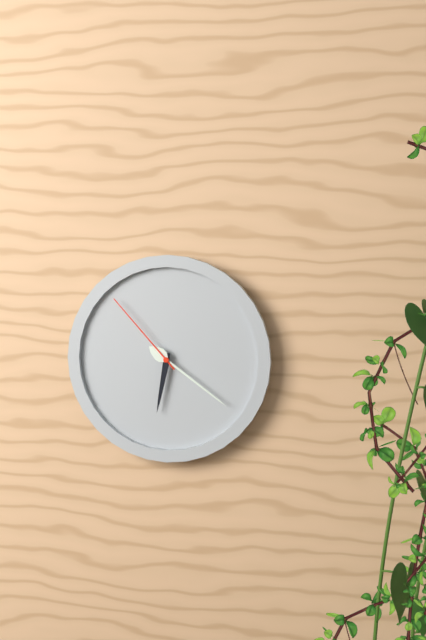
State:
6,21,53
